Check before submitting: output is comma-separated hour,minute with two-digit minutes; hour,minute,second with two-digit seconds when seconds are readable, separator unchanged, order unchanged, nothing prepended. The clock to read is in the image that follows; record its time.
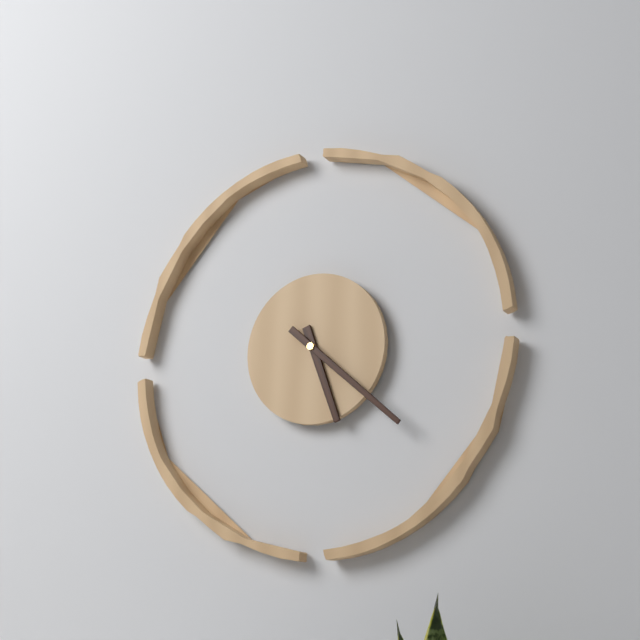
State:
5,22
